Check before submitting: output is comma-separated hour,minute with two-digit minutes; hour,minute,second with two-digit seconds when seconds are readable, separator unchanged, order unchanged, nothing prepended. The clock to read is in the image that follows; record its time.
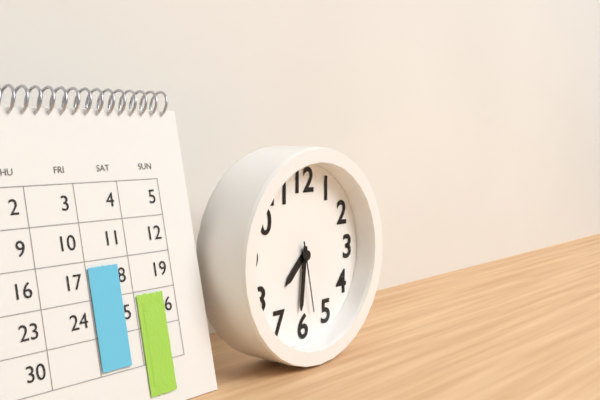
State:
7,31,28
